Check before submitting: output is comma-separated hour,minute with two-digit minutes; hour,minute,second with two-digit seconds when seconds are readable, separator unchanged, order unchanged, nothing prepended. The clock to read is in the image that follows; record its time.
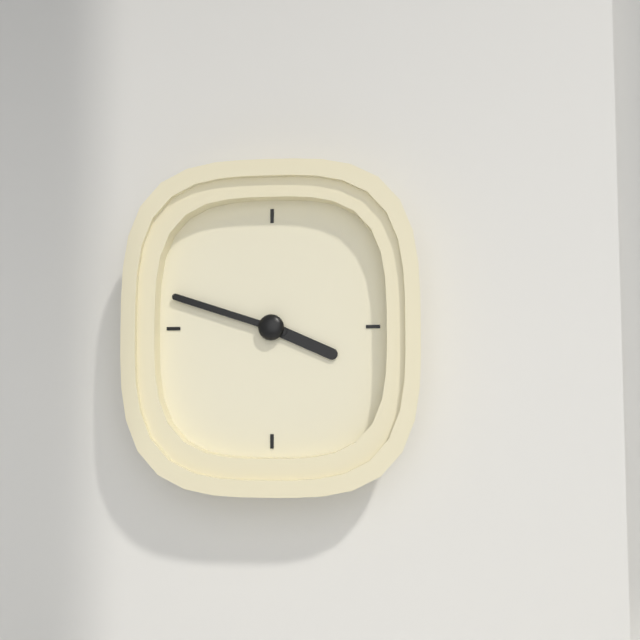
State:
3,48
